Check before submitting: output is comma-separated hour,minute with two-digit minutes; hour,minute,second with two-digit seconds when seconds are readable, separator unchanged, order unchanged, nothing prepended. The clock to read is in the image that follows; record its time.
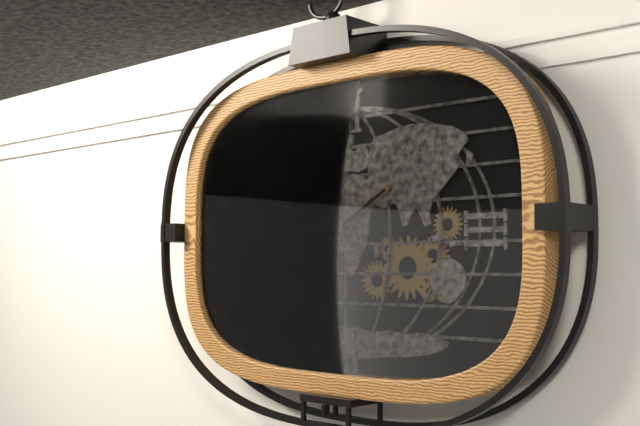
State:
1,58
